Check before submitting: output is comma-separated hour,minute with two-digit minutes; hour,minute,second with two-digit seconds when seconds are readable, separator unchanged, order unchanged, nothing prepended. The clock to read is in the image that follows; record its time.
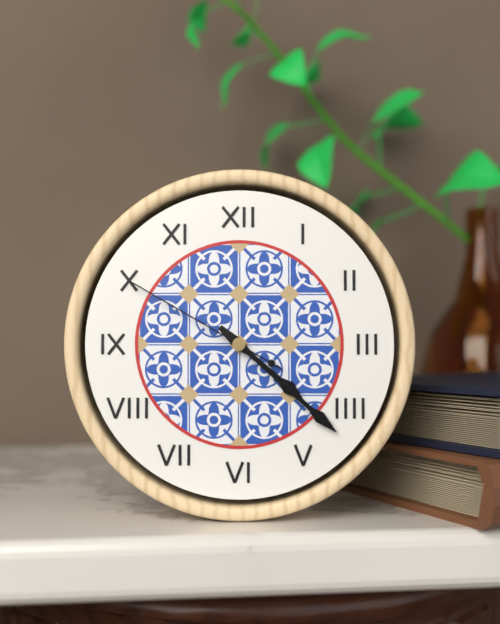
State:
4,22,50
